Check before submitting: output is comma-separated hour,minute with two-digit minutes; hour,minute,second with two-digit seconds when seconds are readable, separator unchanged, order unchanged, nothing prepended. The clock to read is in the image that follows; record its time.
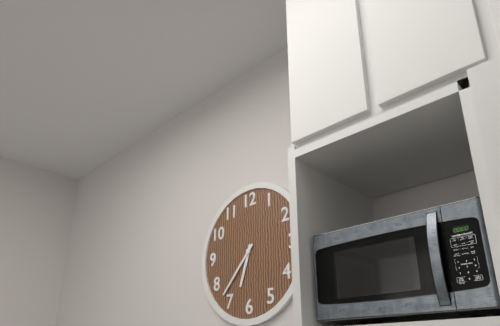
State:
6,37
